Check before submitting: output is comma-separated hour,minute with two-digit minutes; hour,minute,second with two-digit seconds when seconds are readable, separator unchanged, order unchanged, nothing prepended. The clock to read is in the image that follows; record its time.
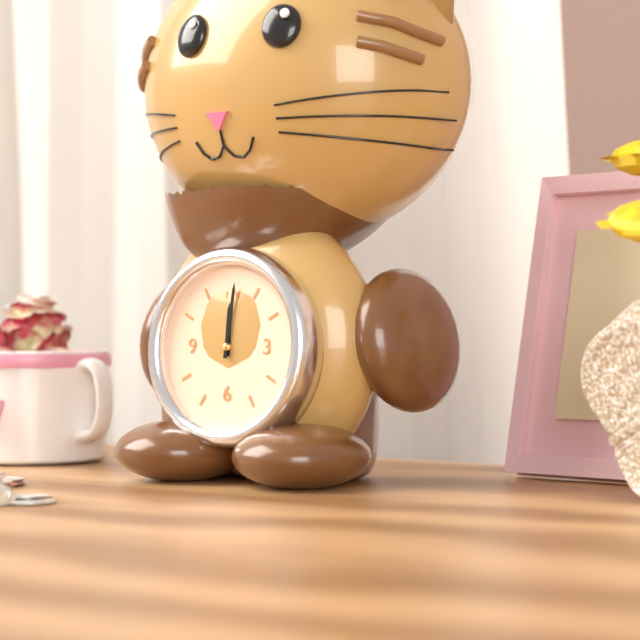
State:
12,01
